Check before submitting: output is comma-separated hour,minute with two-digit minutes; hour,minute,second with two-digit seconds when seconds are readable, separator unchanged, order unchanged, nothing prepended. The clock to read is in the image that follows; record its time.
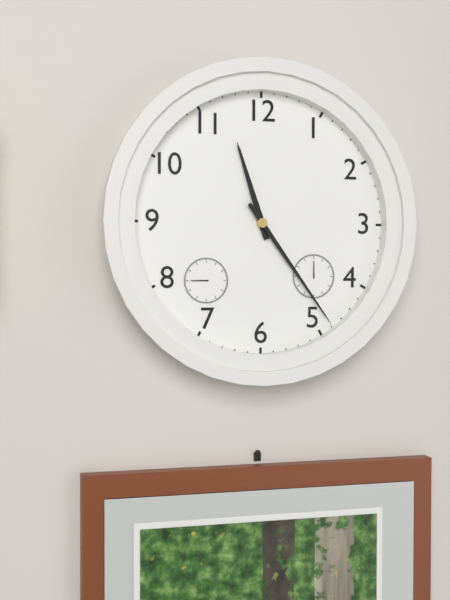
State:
11,24
